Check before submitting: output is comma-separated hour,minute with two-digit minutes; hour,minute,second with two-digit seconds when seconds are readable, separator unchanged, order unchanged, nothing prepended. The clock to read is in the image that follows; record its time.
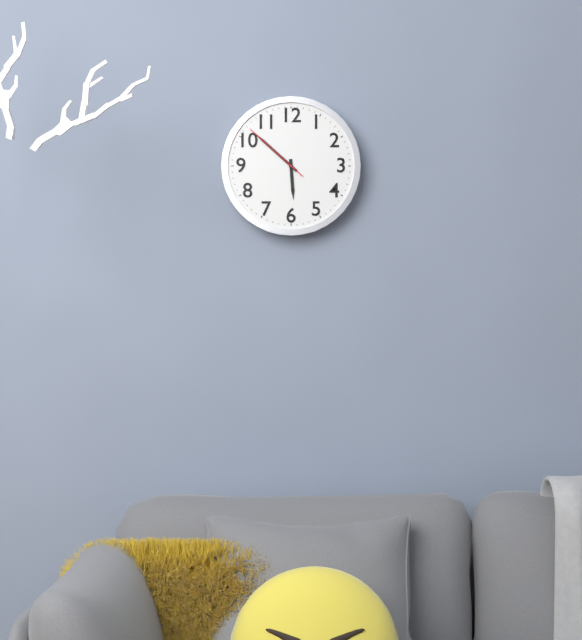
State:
5,52,52
